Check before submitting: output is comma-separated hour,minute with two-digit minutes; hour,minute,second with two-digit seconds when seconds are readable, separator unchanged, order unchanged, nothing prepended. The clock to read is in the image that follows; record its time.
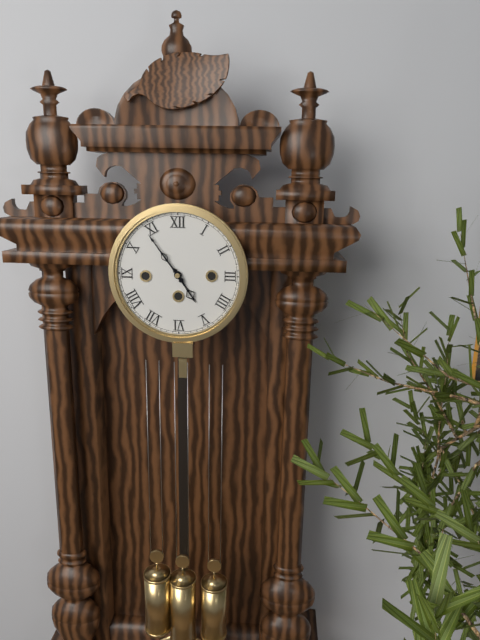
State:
4,54
